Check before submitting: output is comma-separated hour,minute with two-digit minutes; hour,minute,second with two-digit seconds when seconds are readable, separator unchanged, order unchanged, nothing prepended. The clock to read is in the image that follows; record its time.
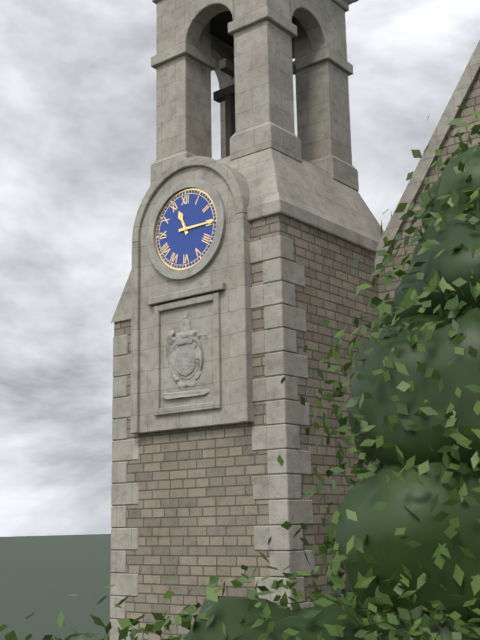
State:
11,15
